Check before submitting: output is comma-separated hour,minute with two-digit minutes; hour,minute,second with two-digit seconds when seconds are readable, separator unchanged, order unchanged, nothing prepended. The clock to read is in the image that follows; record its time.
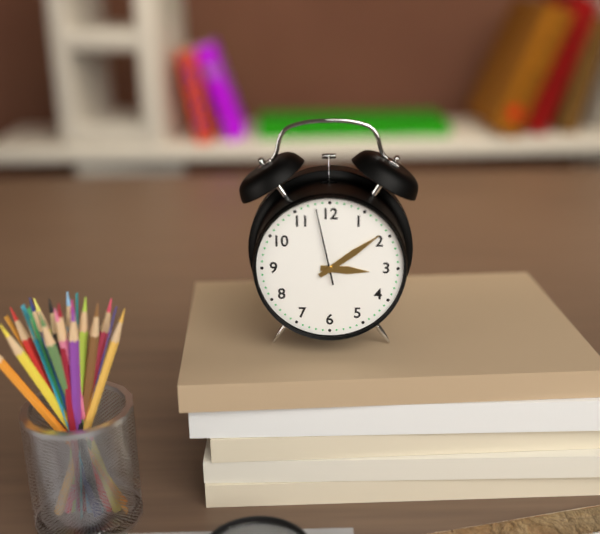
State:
3,09,58
